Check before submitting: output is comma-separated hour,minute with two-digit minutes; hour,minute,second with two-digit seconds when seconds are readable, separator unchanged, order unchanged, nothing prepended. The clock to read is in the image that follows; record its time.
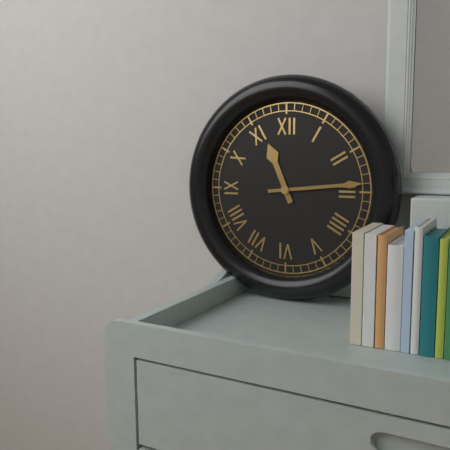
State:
11,14
